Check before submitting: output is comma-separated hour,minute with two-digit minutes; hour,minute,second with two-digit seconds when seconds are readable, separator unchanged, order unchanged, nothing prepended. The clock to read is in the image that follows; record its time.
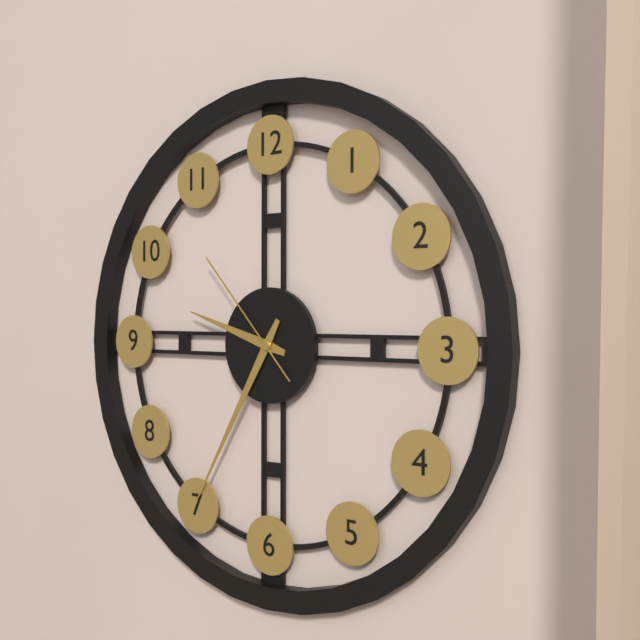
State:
9,35,53
